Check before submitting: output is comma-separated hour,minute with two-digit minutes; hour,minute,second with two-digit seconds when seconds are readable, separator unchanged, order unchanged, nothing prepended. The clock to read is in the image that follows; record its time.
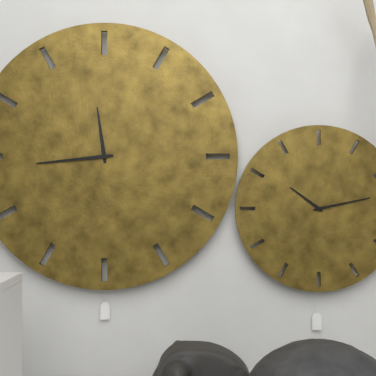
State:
11,44
